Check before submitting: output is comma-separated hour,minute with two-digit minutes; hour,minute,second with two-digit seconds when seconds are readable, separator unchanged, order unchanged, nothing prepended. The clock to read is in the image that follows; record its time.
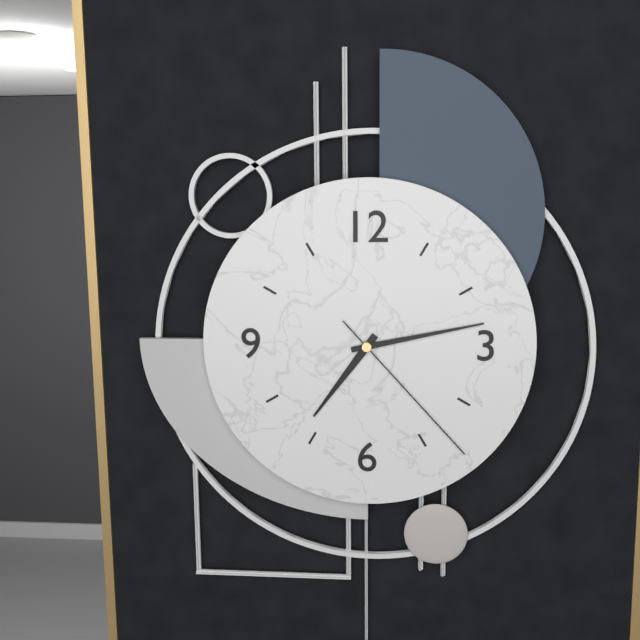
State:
7,13,23
